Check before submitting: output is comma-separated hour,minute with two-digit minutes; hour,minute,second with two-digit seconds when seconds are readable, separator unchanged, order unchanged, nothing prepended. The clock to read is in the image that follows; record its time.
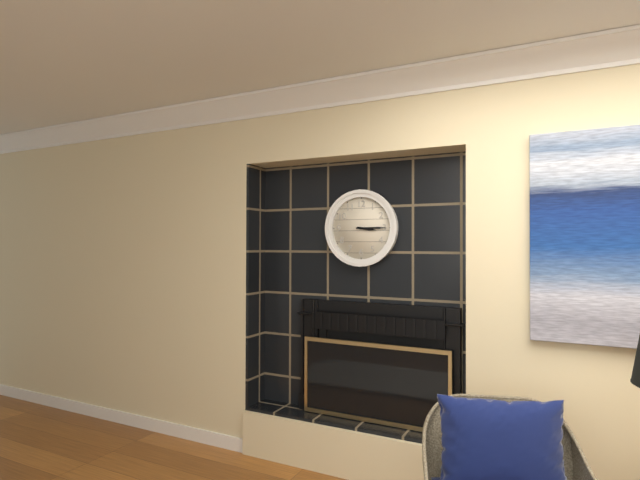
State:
3,15
